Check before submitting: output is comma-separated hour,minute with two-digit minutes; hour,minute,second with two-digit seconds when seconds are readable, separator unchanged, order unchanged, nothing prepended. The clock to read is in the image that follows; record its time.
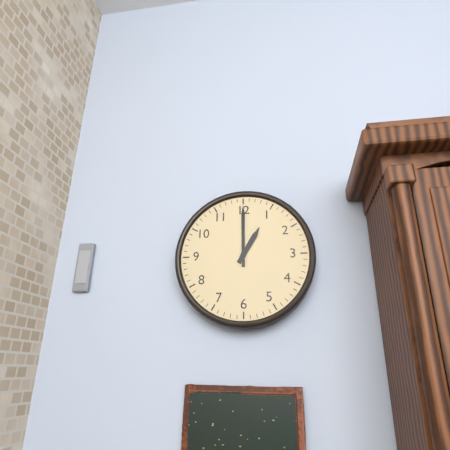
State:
1,00
